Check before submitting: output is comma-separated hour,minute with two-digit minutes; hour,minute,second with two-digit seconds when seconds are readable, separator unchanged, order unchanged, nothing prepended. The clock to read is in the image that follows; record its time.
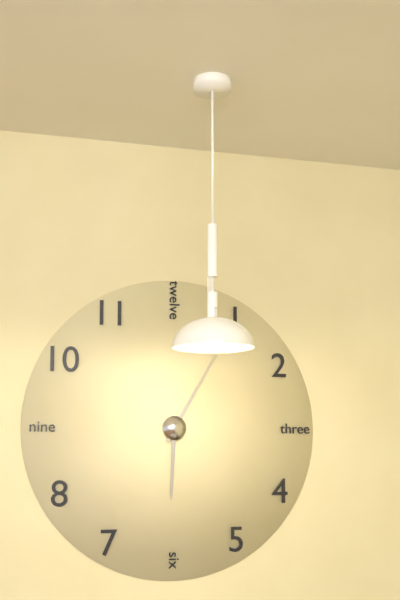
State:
6,05
